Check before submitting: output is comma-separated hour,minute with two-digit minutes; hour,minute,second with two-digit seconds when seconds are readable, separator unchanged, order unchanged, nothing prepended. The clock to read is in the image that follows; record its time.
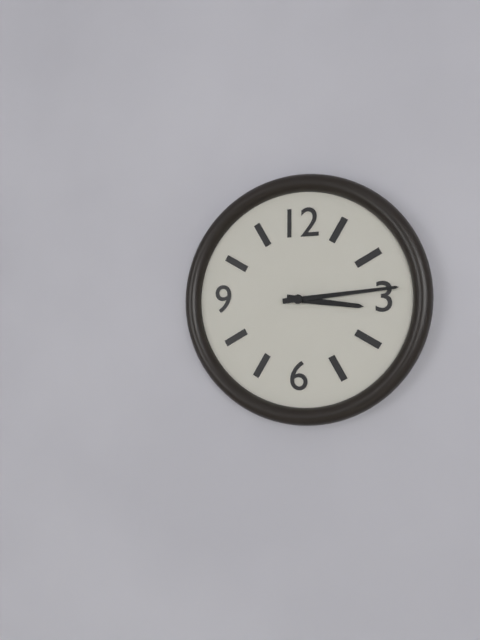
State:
3,14
